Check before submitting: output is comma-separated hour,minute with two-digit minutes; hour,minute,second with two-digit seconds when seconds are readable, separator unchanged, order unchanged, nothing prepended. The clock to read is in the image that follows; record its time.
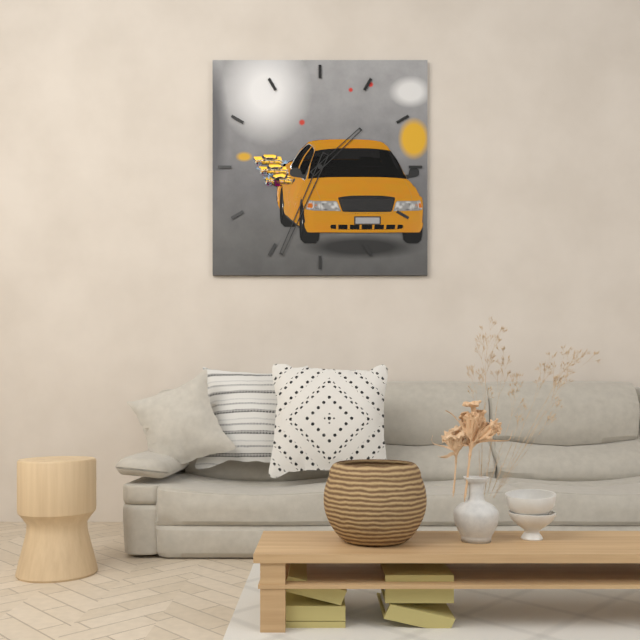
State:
1,34
